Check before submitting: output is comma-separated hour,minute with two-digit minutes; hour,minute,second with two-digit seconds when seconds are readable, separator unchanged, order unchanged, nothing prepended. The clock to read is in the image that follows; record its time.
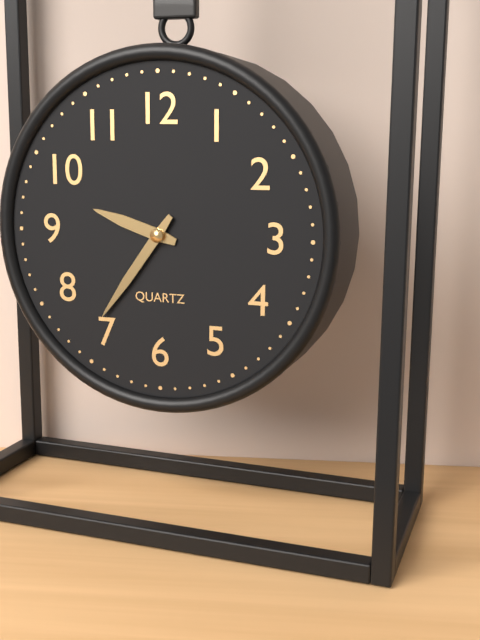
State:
9,36
